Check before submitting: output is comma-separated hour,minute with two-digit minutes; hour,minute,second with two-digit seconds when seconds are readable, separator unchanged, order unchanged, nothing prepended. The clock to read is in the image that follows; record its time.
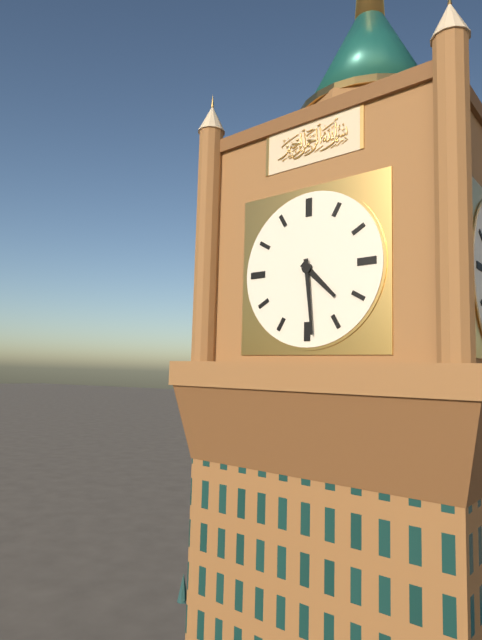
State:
4,29
